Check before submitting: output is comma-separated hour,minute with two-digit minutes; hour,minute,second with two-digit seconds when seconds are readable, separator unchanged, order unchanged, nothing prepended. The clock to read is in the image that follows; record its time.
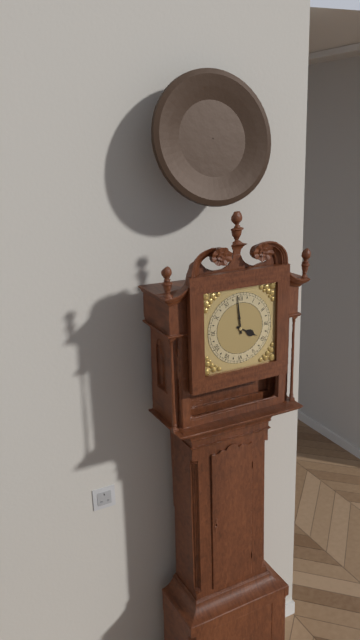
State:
3,59
